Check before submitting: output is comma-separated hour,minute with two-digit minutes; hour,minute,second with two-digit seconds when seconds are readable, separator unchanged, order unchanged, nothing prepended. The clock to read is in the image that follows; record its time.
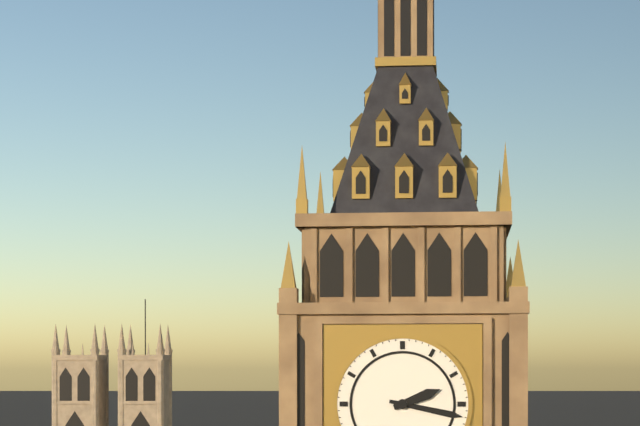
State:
2,17
